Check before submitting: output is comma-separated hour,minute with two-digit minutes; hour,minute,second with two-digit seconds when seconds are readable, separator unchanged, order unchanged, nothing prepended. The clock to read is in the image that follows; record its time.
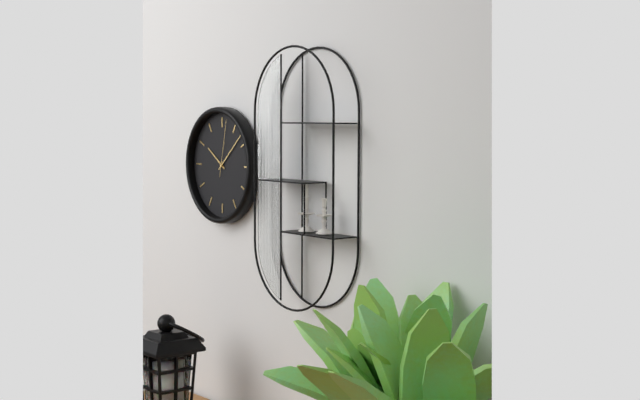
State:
10,08,02
